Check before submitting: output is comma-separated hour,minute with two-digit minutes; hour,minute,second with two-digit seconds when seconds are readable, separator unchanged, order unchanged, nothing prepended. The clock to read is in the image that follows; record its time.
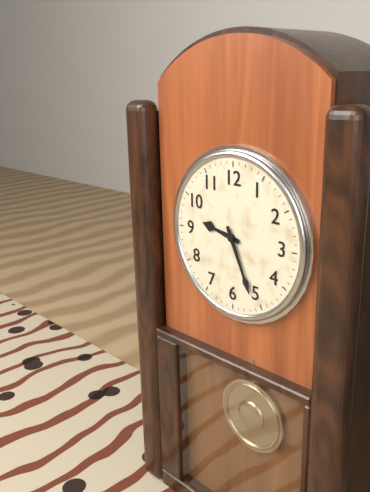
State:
9,26
